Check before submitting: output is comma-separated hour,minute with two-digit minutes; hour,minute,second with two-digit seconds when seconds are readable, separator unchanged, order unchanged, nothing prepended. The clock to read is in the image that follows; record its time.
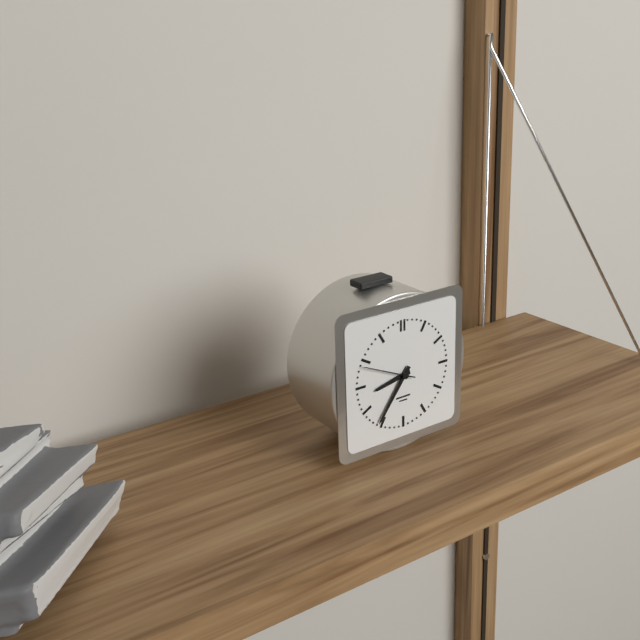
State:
8,36,49
